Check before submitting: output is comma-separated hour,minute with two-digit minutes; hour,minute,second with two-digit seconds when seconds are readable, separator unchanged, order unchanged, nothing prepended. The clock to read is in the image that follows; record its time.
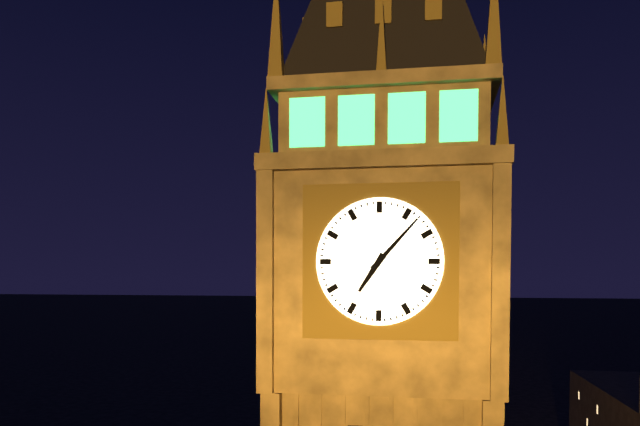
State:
7,07
